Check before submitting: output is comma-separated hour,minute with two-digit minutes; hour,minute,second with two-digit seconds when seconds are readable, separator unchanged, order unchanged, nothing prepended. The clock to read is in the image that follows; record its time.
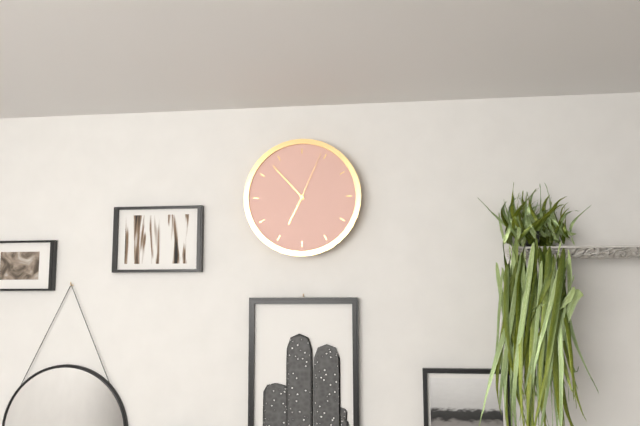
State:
6,53,04
